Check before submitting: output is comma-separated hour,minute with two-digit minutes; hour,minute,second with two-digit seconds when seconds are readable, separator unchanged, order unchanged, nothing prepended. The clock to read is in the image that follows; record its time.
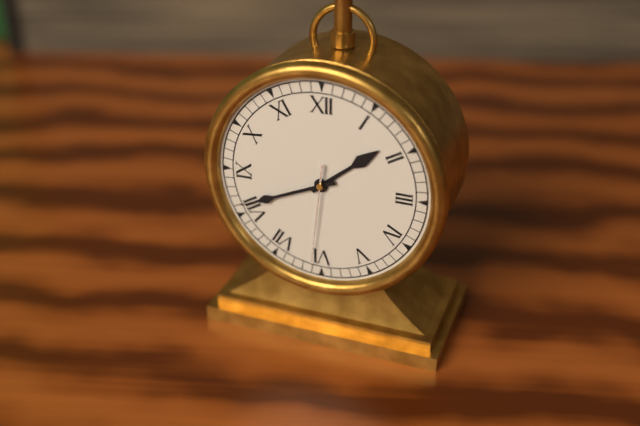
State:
1,41,31
